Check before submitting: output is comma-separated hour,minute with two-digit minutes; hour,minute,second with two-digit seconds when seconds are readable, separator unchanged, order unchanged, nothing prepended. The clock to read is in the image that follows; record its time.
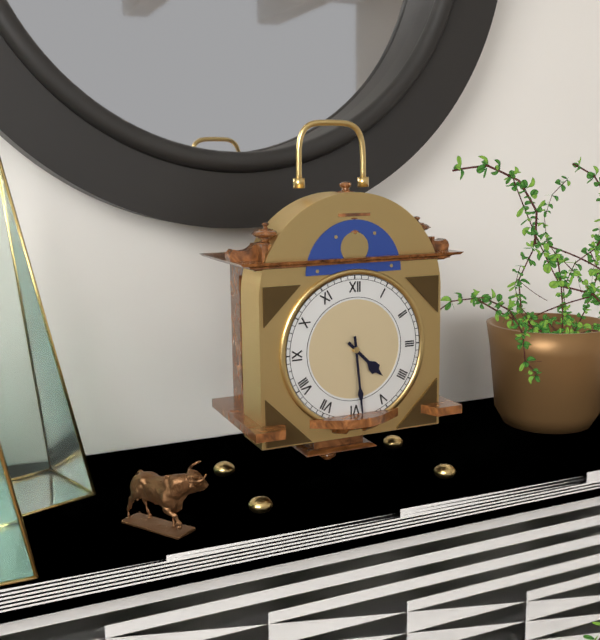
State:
4,29
